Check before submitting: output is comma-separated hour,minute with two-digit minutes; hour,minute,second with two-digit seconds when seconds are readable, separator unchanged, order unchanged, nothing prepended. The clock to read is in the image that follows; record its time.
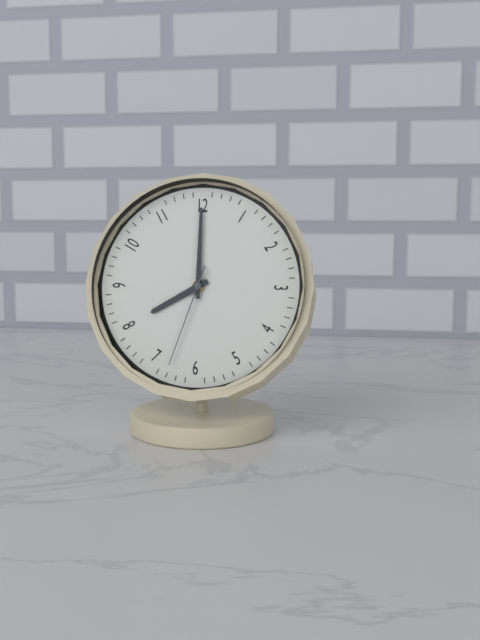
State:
8,00,33
